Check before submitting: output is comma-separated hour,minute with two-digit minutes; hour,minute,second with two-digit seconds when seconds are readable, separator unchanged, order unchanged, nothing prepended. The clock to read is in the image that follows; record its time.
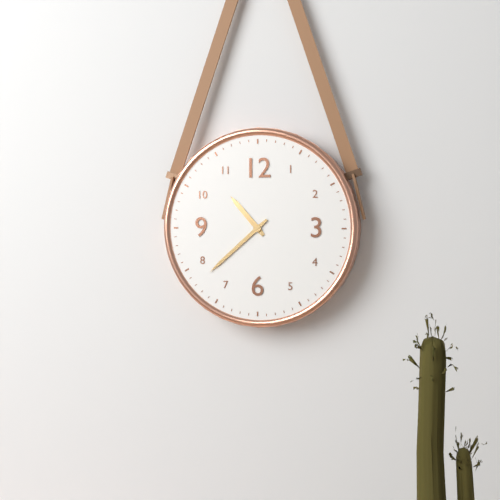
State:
10,38
